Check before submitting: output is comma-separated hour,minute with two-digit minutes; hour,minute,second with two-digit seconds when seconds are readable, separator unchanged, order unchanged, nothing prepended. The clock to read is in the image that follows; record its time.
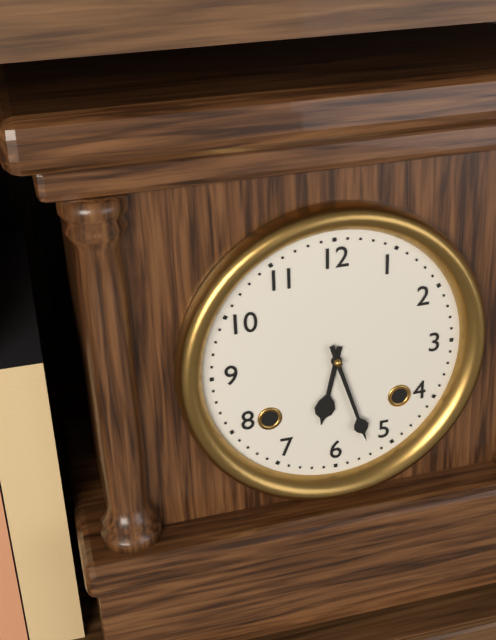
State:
6,27
